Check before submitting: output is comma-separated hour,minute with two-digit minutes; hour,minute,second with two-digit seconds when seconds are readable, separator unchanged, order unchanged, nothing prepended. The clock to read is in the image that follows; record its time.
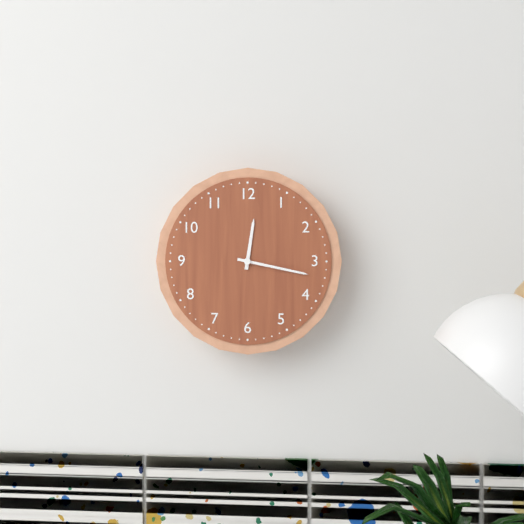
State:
12,17
